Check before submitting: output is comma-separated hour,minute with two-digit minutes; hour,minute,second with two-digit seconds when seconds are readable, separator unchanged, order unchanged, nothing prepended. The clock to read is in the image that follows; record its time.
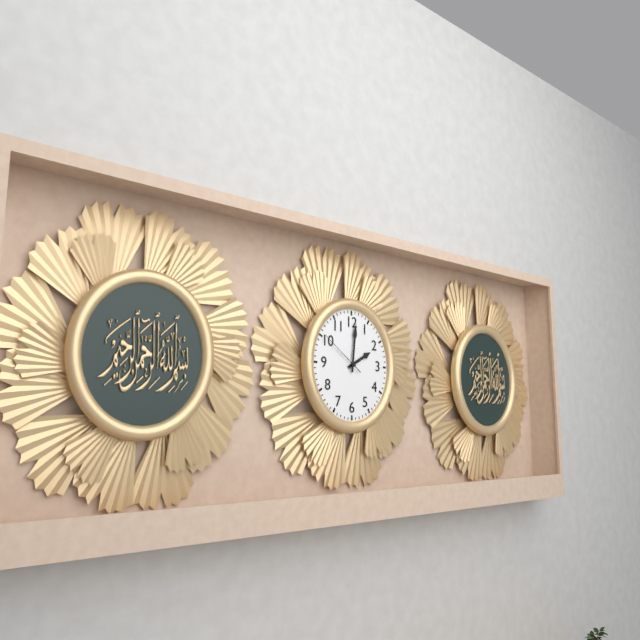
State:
2,01,51
